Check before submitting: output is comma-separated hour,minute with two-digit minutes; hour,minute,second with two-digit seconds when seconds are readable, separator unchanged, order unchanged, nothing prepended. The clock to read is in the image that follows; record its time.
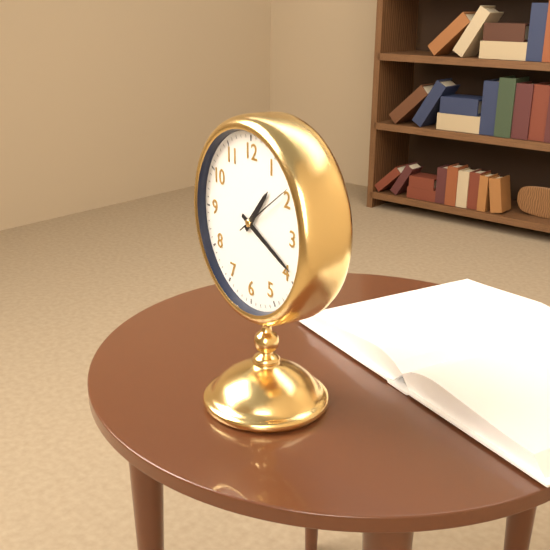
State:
1,19,09
